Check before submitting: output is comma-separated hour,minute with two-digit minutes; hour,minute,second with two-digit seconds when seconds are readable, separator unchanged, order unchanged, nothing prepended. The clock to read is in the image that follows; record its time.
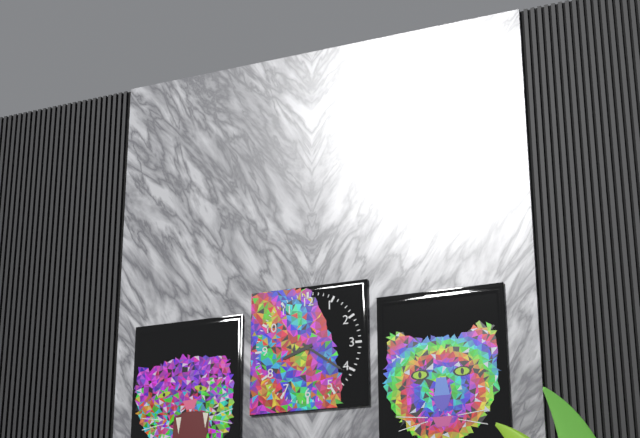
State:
8,21
